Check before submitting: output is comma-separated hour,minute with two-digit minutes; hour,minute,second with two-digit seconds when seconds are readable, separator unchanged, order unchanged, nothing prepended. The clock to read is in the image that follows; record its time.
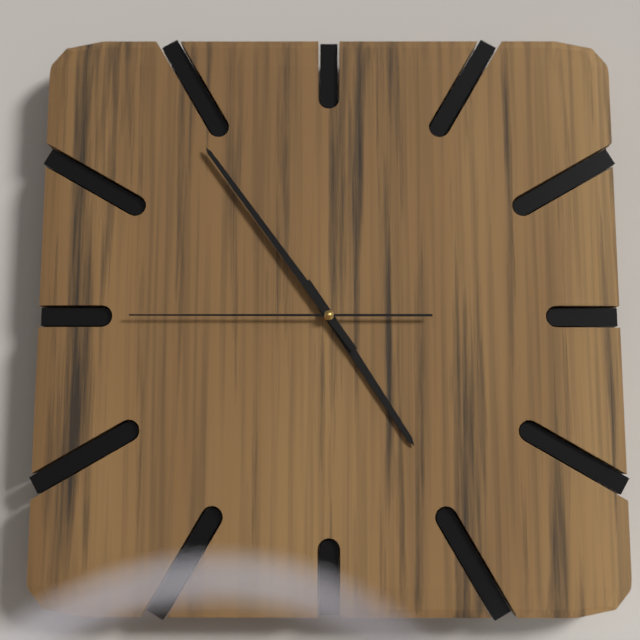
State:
4,54,45
